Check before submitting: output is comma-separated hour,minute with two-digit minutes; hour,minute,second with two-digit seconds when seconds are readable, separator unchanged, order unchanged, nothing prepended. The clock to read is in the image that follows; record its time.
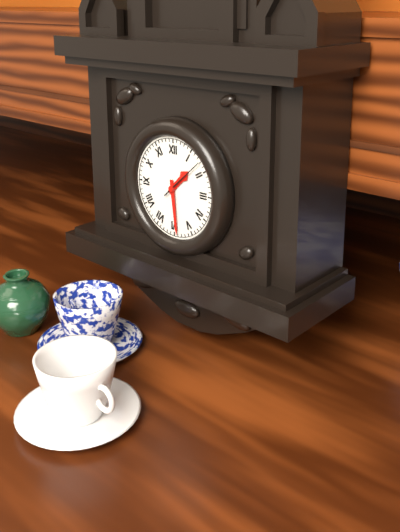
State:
1,29
